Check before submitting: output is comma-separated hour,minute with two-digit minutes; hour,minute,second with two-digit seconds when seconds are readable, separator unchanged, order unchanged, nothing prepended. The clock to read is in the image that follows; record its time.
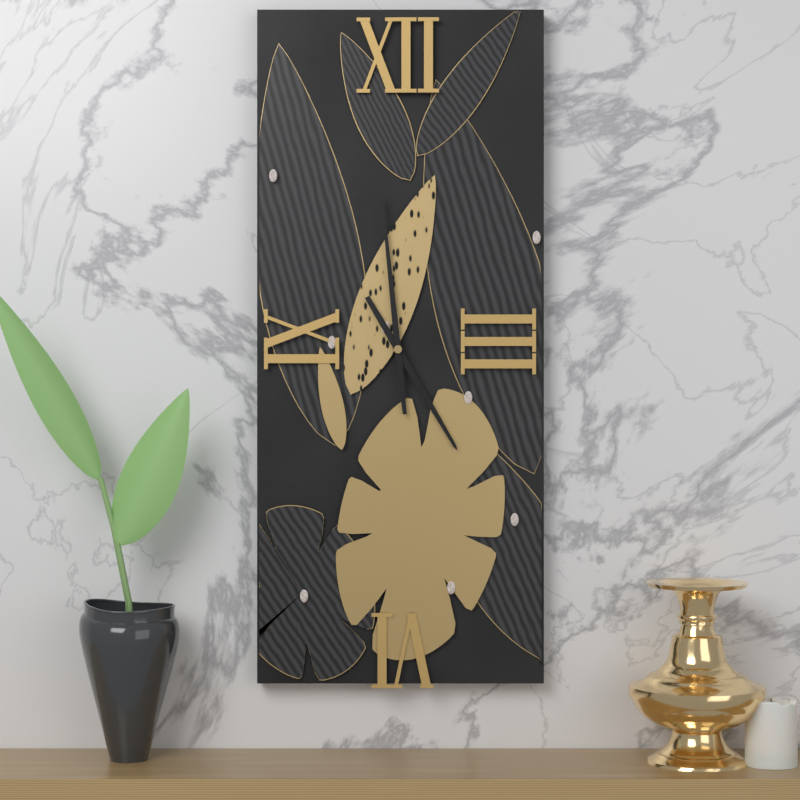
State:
4,59
